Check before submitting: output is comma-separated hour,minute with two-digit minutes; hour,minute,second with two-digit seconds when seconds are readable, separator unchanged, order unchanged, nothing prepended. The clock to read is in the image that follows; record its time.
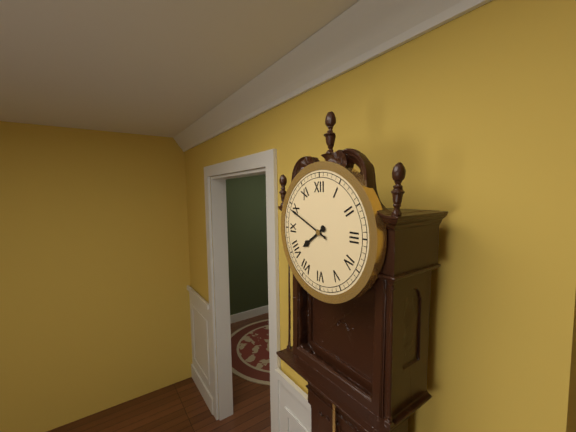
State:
7,49
